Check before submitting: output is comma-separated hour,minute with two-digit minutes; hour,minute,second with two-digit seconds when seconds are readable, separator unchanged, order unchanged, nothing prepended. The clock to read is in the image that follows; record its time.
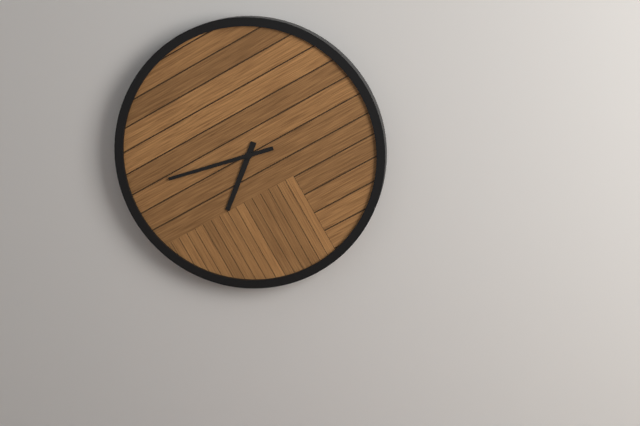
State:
6,42
